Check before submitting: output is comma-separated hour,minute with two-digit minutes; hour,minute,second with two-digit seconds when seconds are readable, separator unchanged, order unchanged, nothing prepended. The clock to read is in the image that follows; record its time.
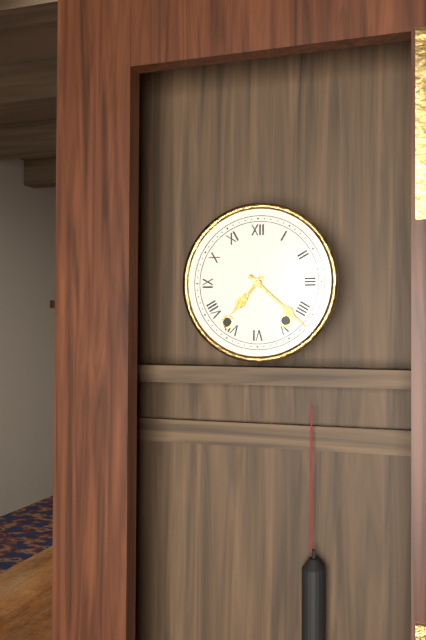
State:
7,22
